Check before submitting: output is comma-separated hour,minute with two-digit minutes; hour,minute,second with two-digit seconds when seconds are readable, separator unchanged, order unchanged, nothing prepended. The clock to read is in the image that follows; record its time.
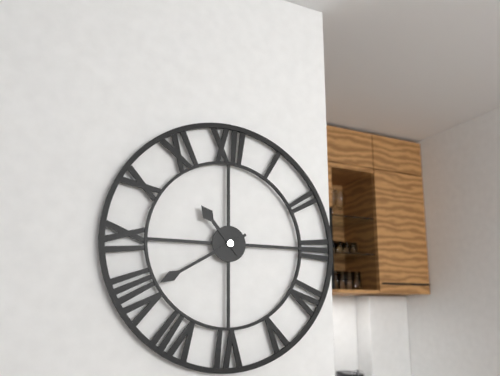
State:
10,40
